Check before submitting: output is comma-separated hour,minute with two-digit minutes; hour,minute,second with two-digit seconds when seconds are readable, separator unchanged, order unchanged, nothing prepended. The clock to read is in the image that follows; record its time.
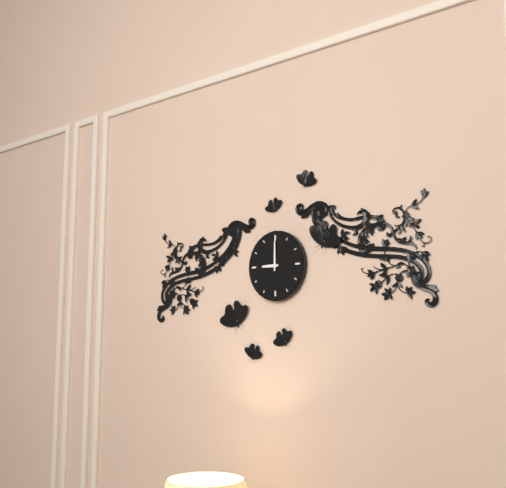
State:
9,00
